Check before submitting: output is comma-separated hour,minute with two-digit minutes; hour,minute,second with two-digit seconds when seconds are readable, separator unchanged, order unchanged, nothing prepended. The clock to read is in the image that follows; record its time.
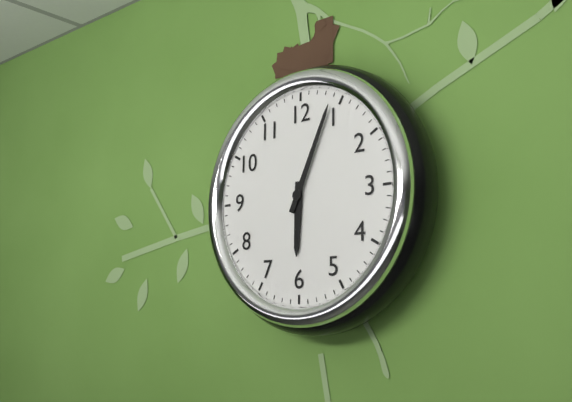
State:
6,04
